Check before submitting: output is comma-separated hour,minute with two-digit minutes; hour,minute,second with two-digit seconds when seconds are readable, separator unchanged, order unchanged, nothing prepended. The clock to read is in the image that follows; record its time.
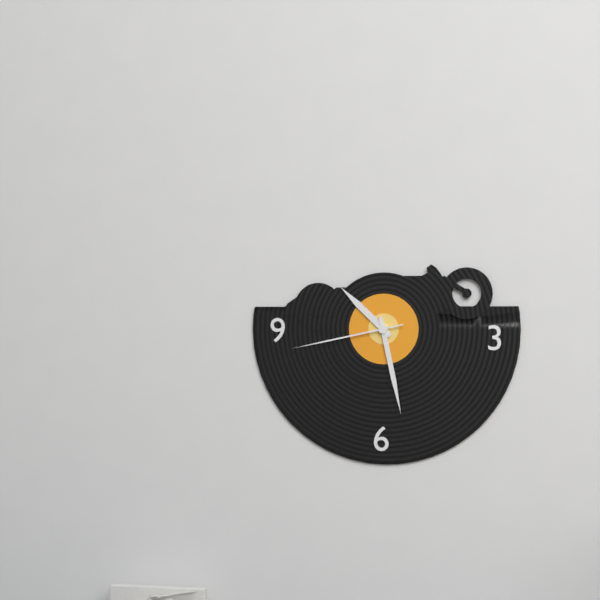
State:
10,28,43
